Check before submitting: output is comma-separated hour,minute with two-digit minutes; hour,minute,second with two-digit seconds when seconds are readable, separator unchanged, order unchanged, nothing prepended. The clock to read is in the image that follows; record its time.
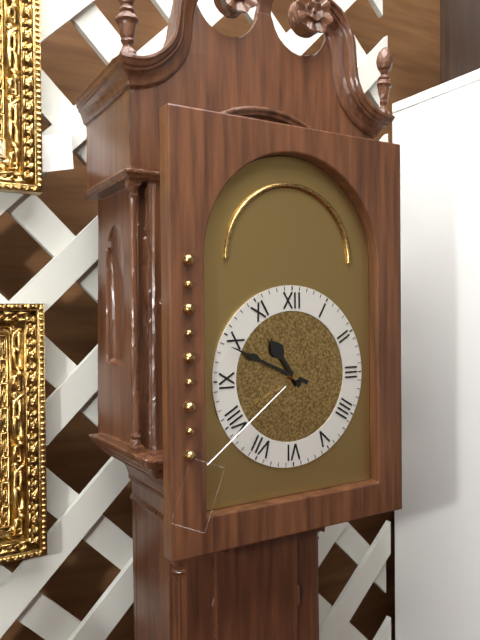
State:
10,49
